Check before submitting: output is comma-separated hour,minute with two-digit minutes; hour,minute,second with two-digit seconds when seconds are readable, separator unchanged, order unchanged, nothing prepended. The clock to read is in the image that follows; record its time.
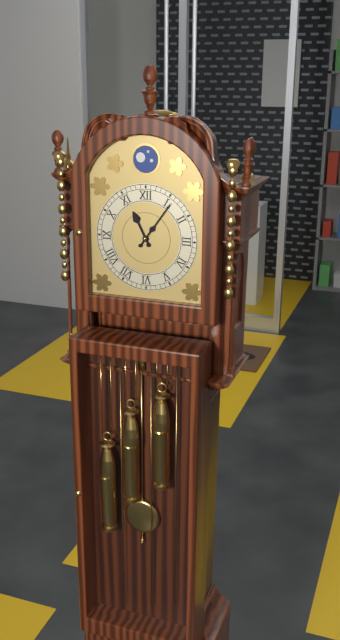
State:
11,06
